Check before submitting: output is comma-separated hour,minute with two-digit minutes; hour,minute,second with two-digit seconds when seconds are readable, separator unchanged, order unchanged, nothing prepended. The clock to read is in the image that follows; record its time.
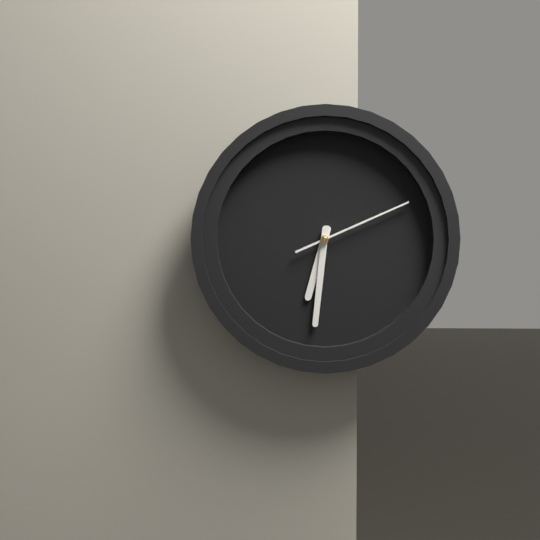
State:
6,31,11
